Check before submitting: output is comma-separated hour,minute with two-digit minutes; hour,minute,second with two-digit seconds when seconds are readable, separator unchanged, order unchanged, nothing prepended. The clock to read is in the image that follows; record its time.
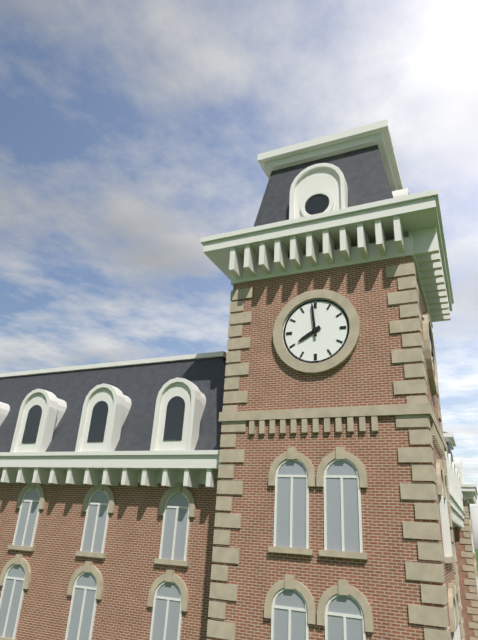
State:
7,59
